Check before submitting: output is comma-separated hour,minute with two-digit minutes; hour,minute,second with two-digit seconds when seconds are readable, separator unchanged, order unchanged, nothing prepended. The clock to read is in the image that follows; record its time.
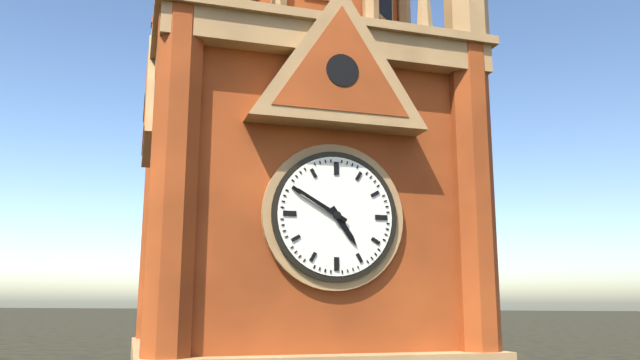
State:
4,50
